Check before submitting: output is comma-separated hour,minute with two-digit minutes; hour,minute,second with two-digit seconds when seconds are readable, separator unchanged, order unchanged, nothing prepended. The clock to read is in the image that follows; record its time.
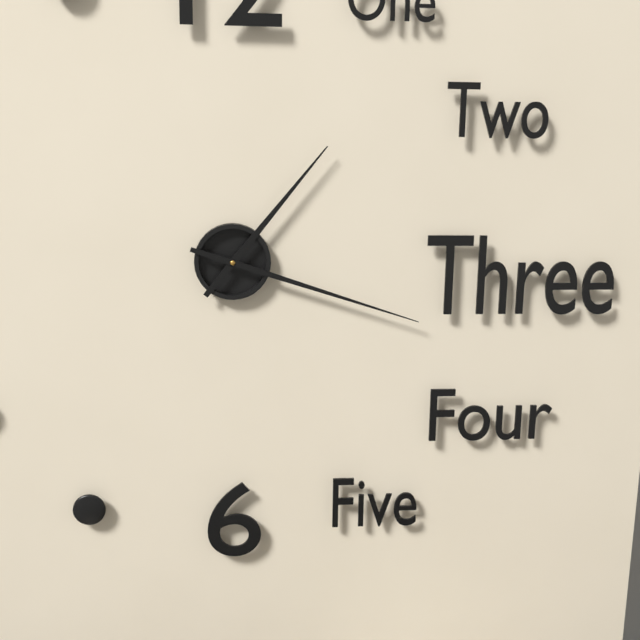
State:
1,18
